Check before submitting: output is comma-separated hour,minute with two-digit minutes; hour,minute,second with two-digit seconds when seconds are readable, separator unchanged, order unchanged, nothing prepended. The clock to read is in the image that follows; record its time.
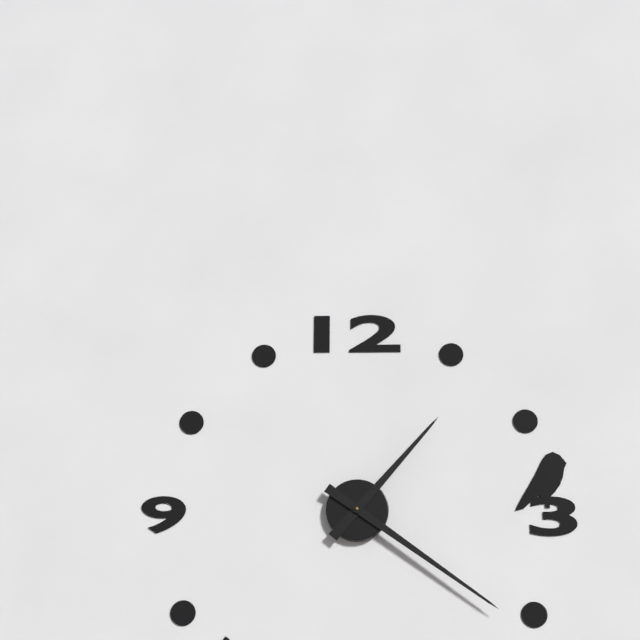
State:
1,21
